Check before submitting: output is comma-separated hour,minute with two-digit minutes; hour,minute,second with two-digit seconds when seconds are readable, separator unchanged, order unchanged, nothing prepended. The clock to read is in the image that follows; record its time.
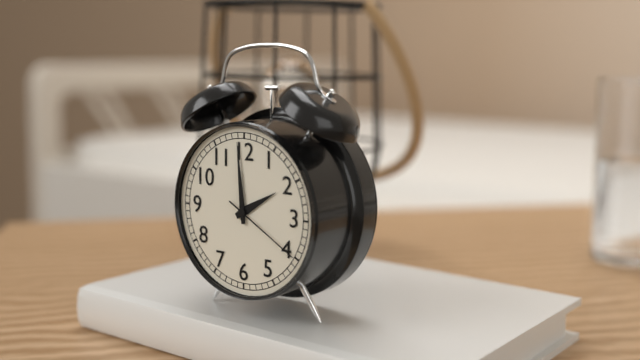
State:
1,59,20
